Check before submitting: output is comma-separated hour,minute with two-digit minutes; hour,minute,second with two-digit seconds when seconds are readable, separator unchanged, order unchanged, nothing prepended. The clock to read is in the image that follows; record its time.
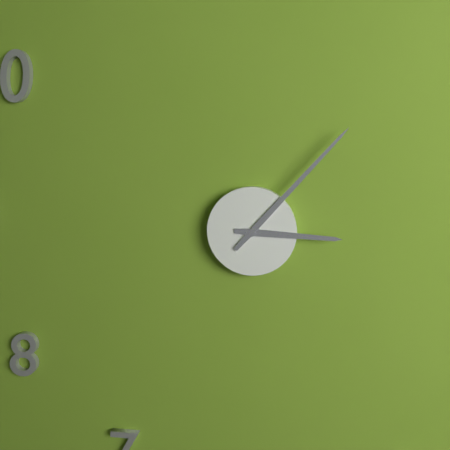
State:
3,07
